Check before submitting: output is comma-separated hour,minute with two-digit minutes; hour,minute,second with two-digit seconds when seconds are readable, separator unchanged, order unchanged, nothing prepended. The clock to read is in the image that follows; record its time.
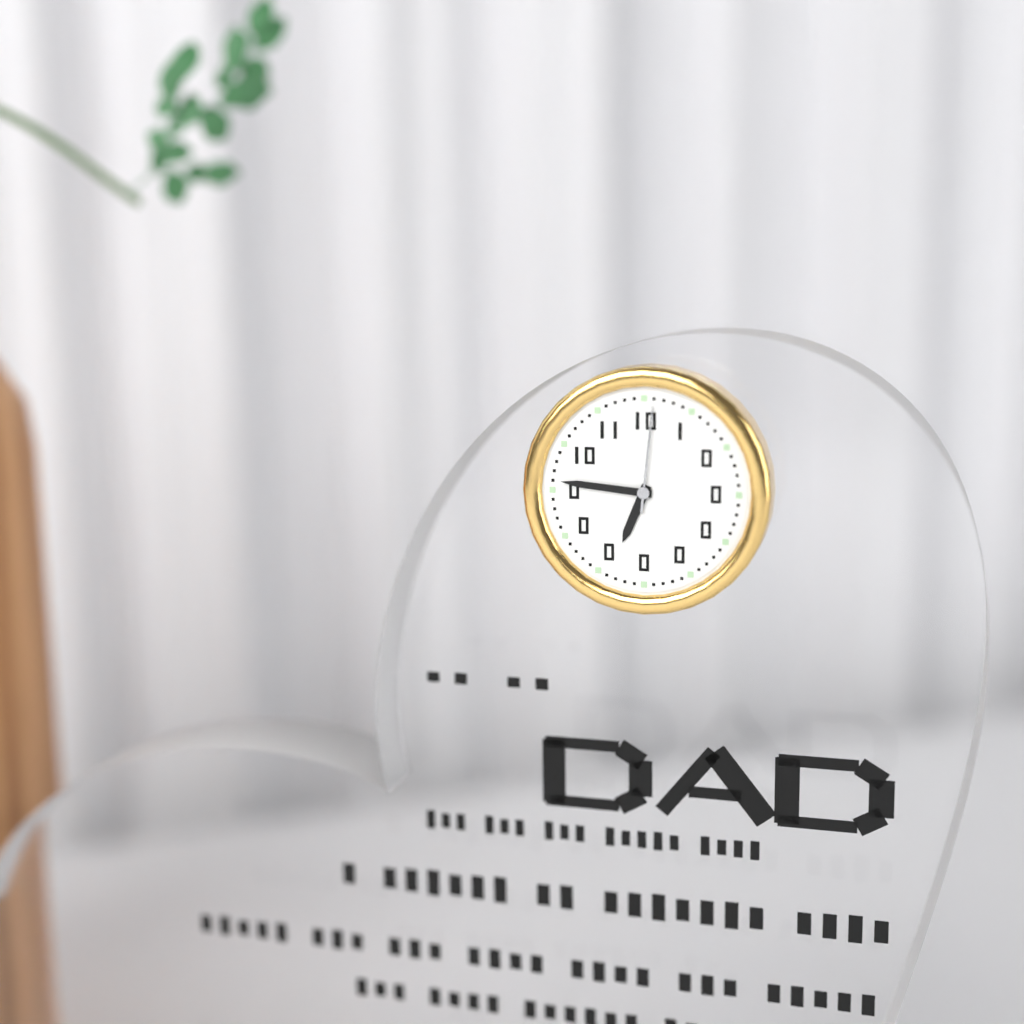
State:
6,46,01
